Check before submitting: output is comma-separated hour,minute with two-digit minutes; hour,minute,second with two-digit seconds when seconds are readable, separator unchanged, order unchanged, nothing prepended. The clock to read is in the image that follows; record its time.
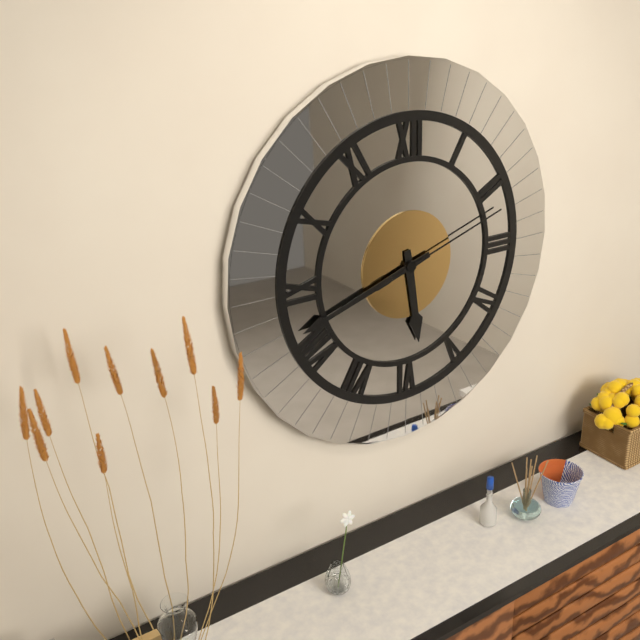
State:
5,42,12
